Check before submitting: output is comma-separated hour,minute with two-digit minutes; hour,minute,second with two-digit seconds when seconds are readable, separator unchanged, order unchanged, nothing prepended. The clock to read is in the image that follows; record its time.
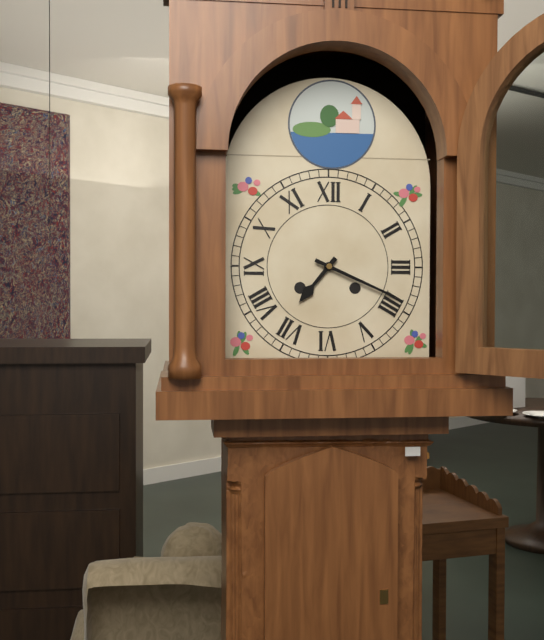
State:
7,19
